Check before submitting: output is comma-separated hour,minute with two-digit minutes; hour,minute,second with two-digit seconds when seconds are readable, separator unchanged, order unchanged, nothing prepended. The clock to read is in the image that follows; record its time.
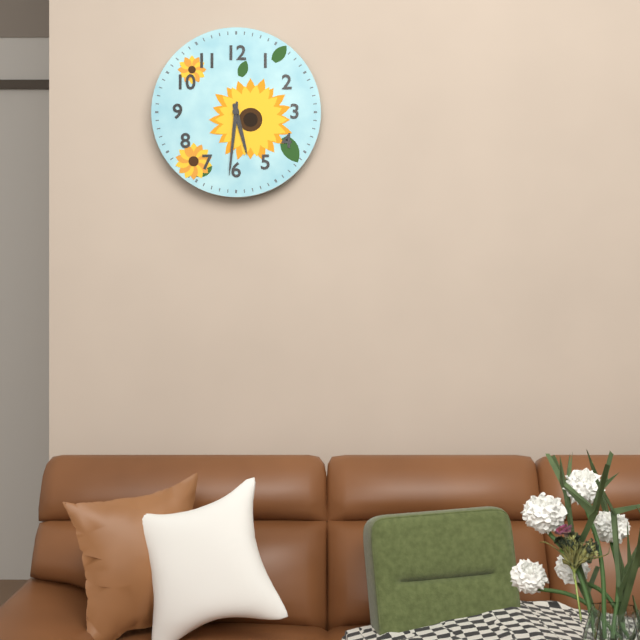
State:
5,31
